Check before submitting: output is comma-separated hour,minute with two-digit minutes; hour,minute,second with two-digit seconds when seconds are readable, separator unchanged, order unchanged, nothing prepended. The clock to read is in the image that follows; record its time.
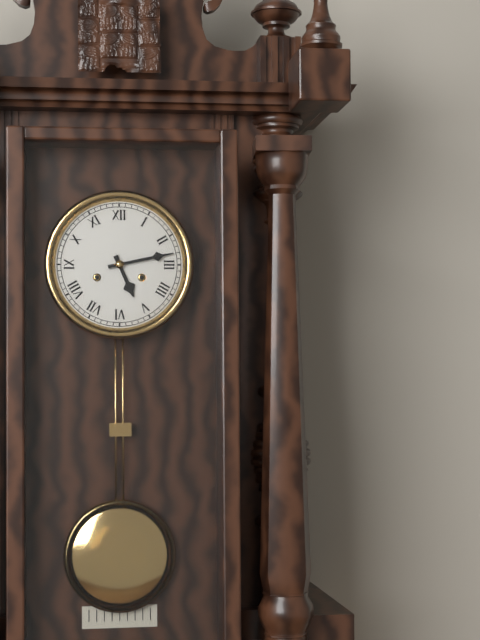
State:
5,13
